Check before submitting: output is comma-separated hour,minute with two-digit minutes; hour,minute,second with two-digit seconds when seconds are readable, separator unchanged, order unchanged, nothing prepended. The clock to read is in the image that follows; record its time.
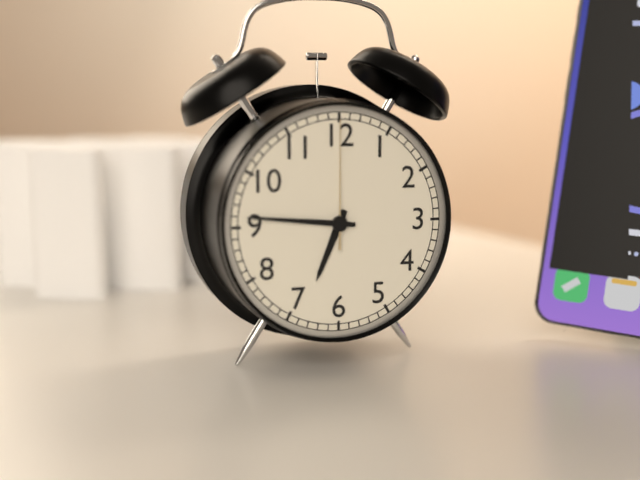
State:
6,46,00
